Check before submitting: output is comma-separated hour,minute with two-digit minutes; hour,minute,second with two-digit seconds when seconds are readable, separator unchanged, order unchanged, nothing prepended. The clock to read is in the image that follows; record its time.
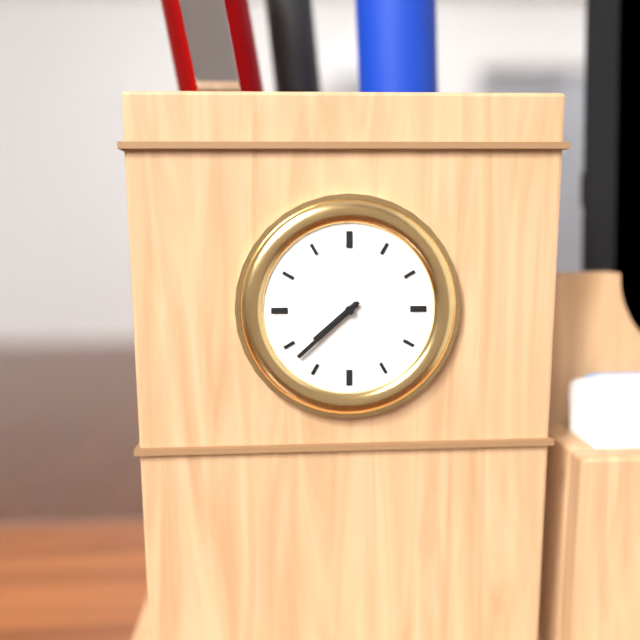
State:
7,38
